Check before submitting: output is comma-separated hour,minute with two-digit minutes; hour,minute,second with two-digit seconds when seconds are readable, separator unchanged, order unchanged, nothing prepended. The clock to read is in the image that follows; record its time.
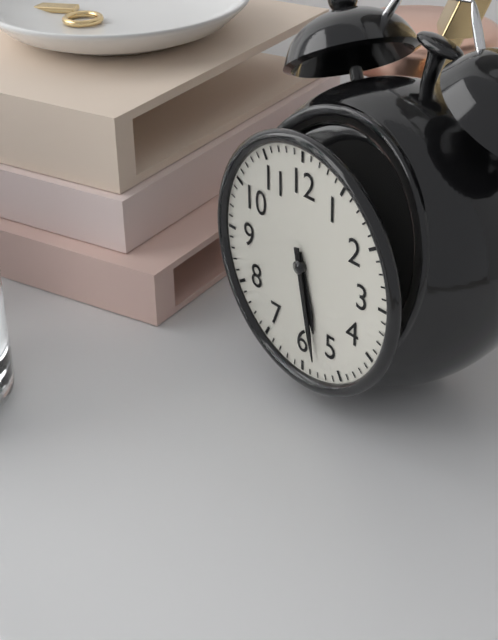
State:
5,28
